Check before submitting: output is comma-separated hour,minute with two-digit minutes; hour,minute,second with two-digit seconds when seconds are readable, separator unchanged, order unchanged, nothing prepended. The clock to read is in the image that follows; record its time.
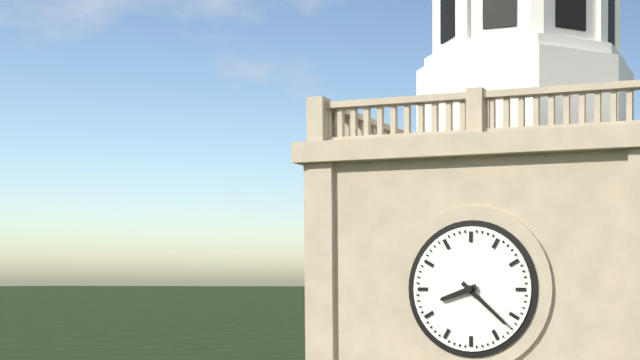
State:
8,22
